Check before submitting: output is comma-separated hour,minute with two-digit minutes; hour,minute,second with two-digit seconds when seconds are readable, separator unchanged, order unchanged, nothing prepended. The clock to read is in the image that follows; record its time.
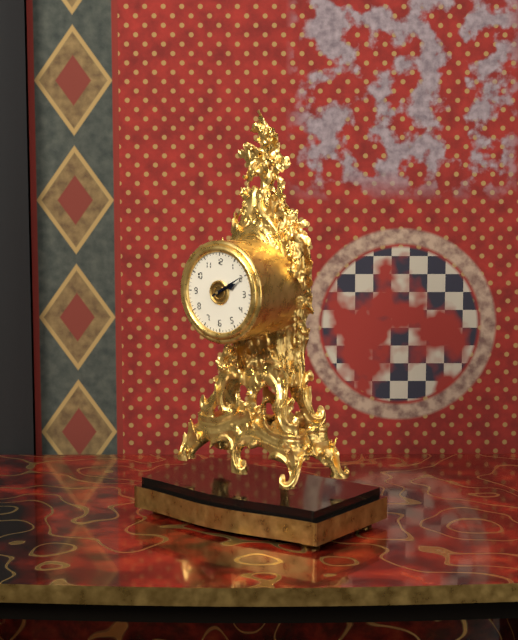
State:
2,10
